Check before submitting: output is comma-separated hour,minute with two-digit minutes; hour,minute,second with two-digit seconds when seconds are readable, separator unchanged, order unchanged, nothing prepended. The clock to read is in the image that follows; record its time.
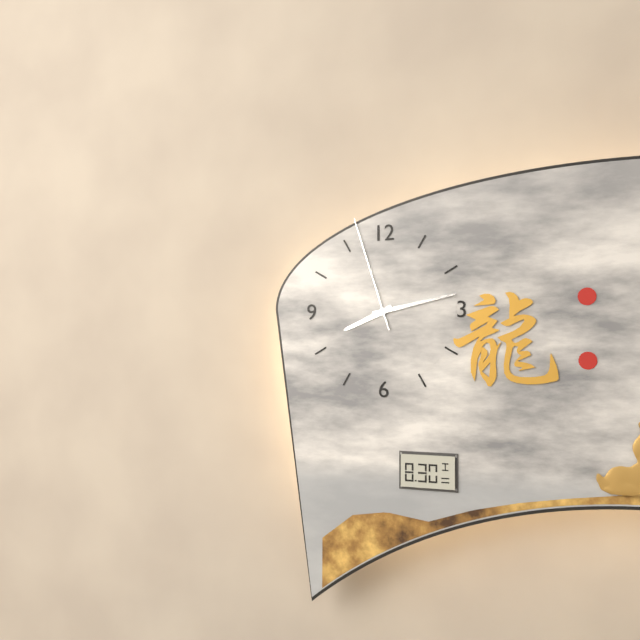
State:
8,13,57
